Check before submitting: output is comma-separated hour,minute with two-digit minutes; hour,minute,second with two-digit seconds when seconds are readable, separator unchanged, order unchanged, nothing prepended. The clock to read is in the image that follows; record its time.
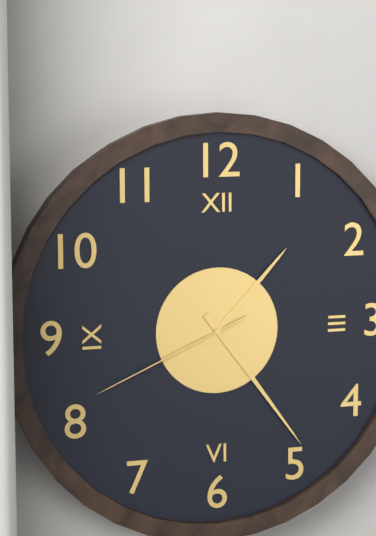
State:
1,24,41
